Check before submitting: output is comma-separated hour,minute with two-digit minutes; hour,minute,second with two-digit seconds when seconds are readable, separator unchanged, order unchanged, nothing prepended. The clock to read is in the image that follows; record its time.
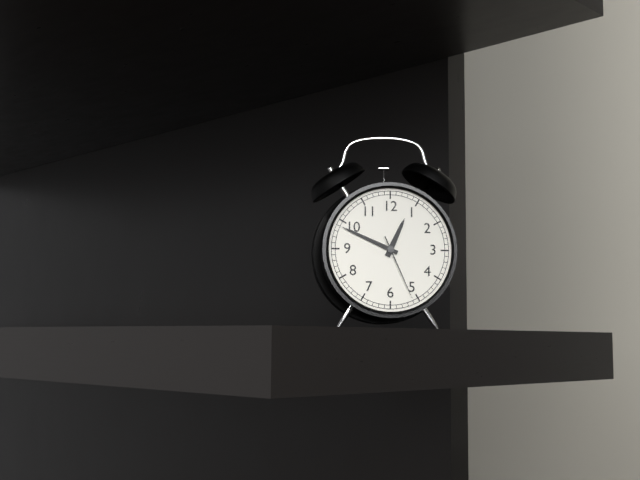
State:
12,49,26
